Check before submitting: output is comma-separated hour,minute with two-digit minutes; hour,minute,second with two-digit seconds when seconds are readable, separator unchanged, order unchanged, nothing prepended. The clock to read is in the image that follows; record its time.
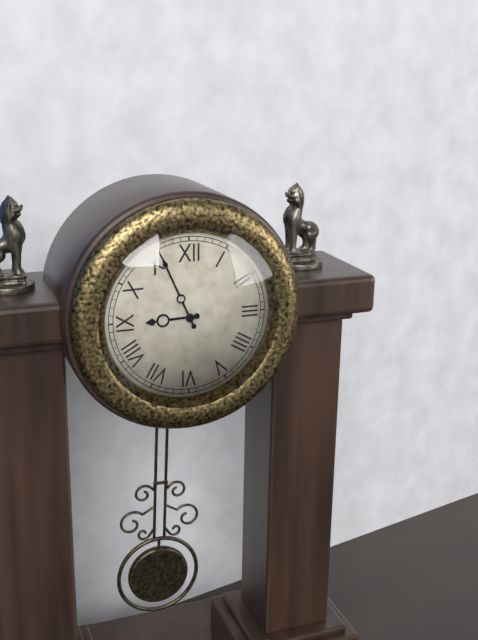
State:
8,56
